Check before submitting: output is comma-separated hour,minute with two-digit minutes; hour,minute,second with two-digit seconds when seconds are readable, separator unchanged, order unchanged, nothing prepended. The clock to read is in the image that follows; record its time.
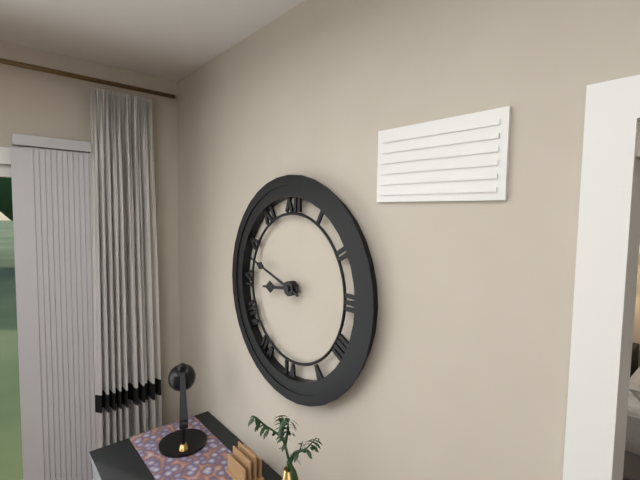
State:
8,48
